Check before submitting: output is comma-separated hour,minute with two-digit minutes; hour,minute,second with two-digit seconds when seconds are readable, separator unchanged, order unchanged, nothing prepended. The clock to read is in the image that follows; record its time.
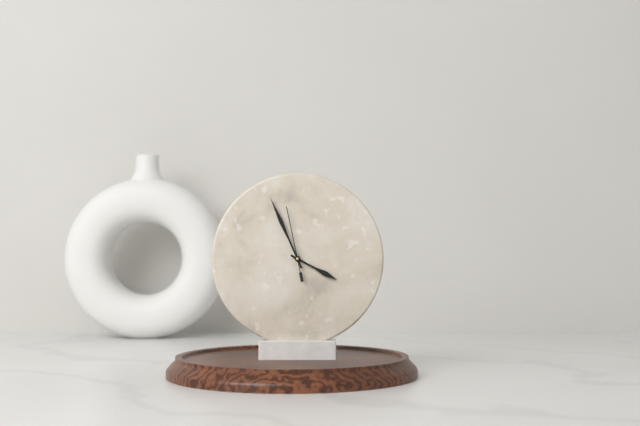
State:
3,56,58
